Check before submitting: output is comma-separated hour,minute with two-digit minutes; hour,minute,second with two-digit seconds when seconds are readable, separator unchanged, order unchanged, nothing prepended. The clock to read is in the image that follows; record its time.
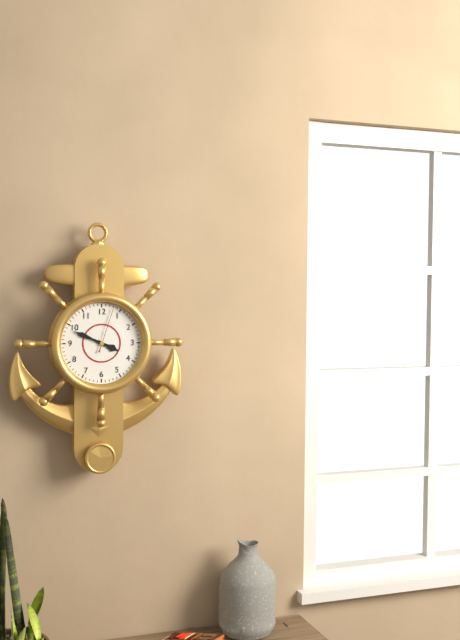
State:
3,49
